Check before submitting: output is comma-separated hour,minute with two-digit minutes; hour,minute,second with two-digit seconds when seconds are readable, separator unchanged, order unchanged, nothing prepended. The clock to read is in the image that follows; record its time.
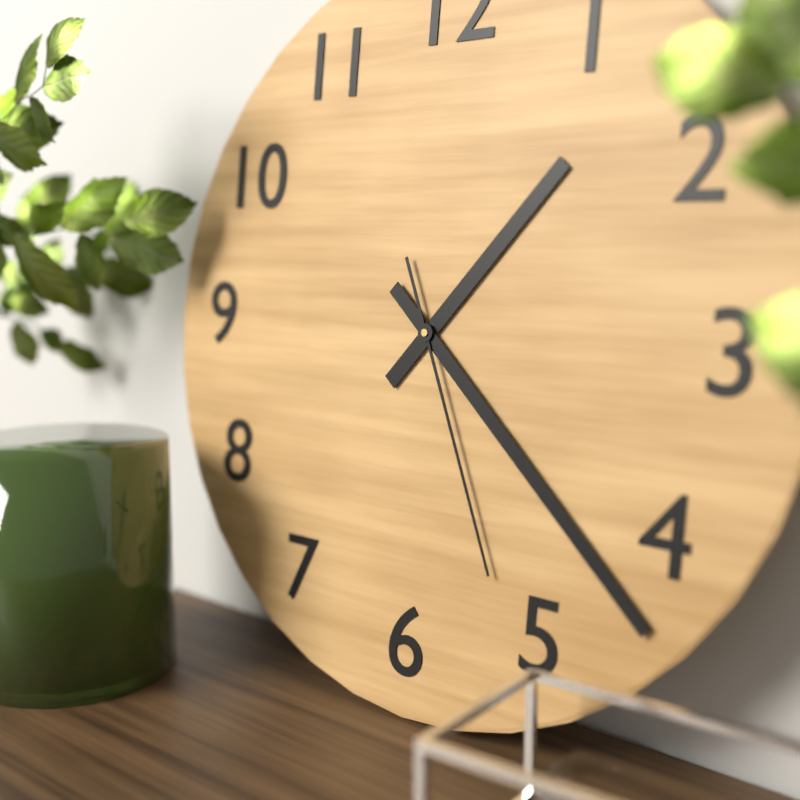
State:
1,22,26
